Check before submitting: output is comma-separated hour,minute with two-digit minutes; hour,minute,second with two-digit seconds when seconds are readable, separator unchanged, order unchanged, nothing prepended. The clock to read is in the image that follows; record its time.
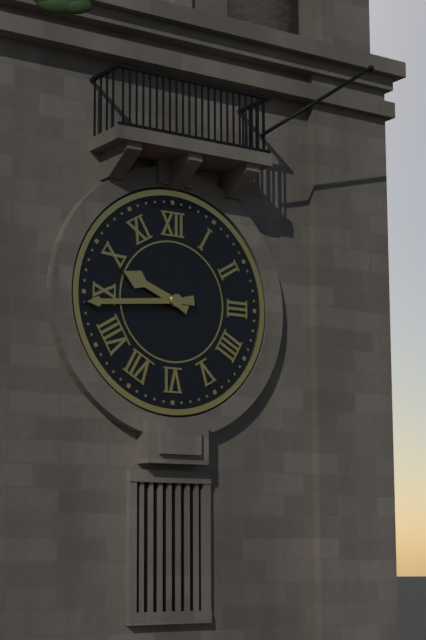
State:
9,44
